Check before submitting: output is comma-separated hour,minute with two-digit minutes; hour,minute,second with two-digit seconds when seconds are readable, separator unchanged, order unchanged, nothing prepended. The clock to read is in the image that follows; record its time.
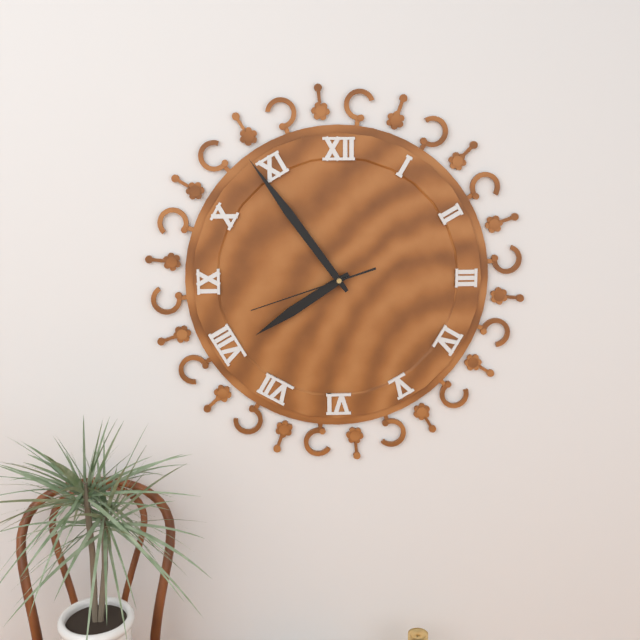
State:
7,54,42
